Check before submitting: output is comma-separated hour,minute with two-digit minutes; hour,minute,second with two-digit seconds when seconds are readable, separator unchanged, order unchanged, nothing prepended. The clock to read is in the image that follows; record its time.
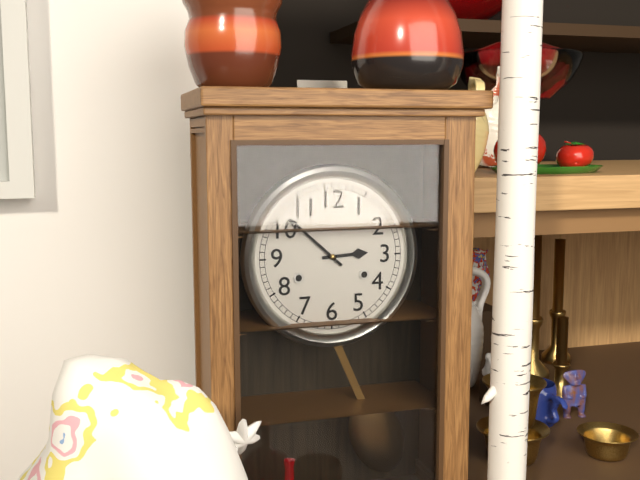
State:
2,52
